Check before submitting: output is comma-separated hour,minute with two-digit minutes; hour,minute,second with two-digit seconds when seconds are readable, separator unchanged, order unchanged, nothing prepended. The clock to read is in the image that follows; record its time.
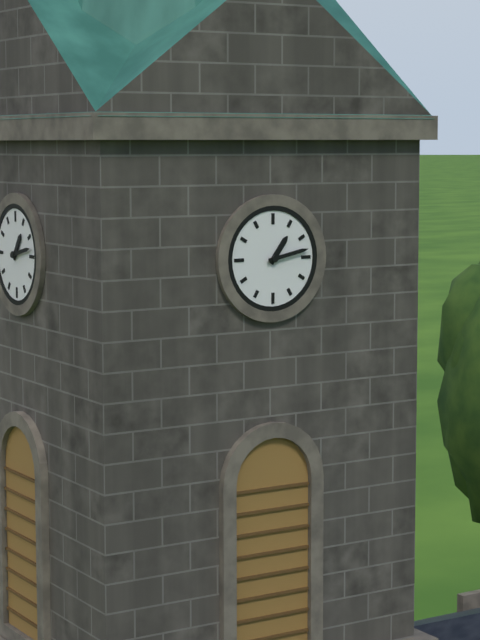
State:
1,13
